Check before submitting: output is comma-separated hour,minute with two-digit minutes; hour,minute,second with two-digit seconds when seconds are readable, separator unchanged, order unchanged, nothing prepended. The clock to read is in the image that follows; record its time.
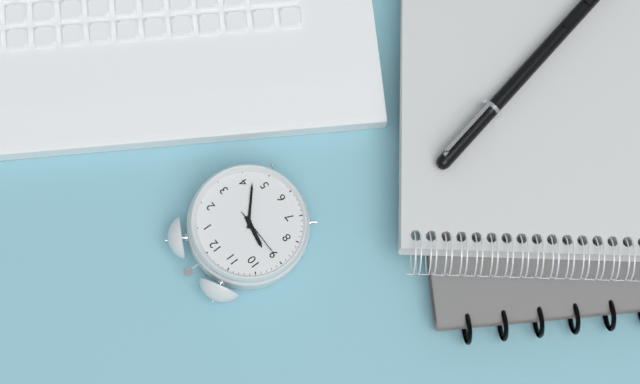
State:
9,22,45
